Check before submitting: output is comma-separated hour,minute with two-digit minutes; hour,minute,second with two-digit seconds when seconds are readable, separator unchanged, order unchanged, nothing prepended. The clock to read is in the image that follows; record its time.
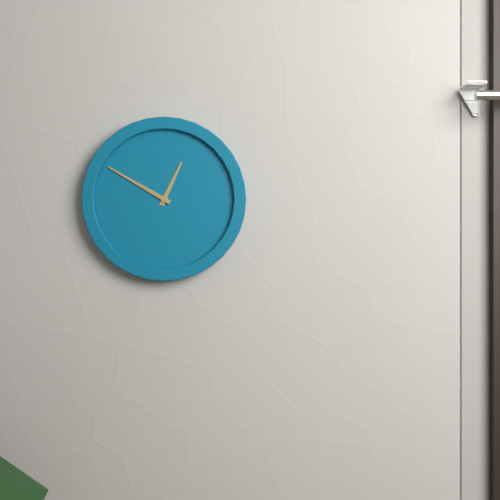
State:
12,50
